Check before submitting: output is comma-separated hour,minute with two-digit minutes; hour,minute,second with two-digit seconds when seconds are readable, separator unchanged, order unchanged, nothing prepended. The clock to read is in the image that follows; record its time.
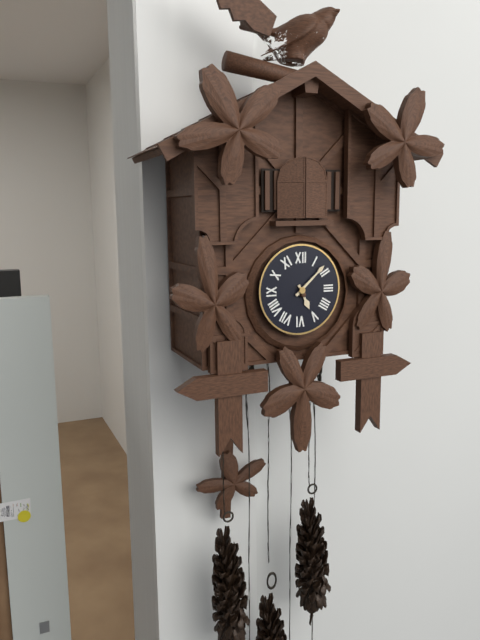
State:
5,08
